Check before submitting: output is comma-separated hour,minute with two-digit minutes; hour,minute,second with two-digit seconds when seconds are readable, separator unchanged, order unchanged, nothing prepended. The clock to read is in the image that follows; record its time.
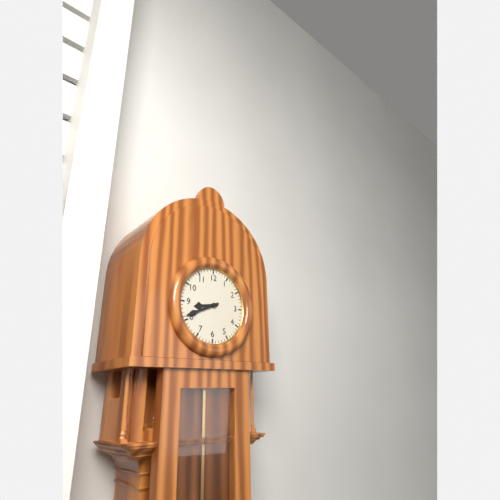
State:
8,41
